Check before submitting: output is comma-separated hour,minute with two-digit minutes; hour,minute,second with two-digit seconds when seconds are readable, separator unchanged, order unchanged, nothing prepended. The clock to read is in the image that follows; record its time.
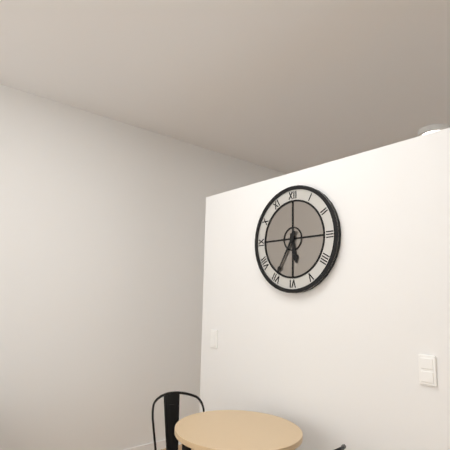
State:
5,35
